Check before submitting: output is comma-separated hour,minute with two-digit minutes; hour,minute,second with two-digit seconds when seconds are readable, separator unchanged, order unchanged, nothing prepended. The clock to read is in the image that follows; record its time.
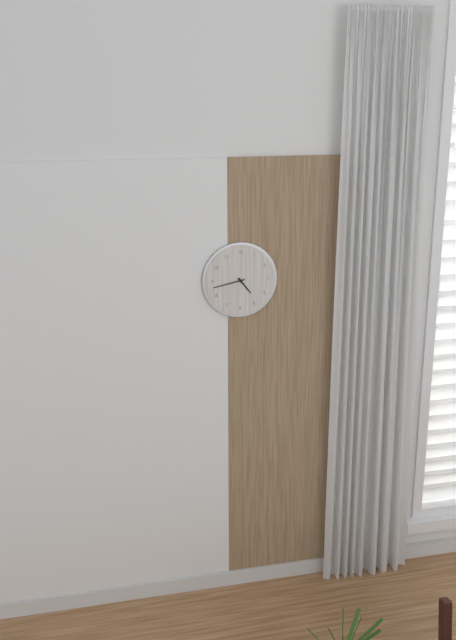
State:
4,43
